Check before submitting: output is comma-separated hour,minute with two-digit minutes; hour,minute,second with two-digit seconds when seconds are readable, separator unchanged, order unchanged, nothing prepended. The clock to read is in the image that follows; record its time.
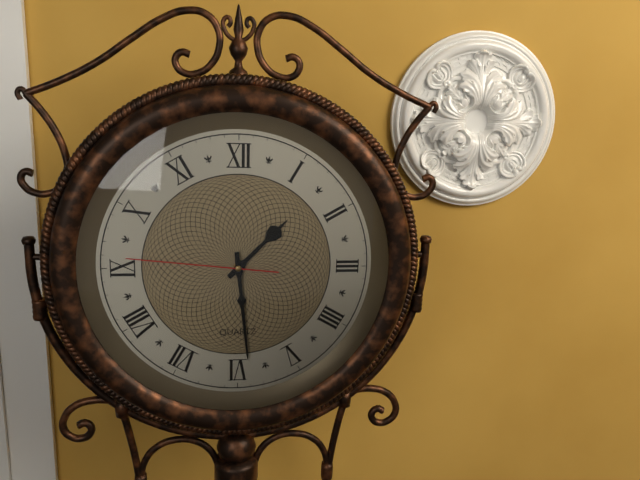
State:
1,29,46
